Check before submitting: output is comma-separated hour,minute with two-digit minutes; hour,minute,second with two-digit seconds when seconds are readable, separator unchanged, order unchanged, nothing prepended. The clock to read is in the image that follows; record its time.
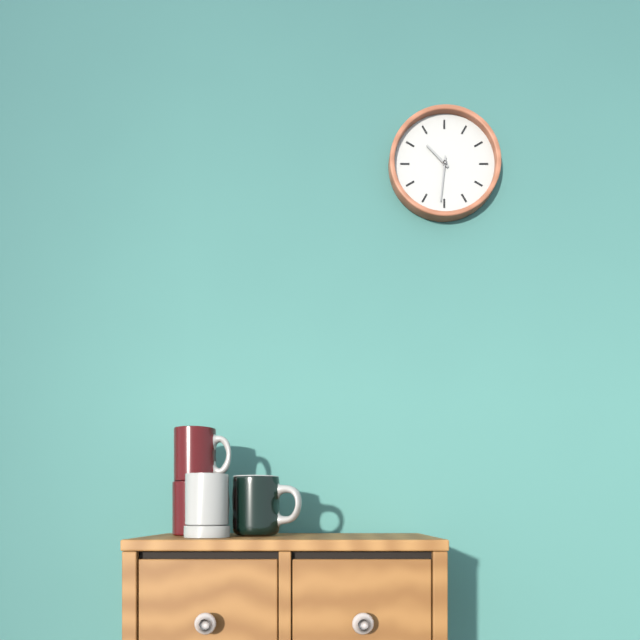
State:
10,31
